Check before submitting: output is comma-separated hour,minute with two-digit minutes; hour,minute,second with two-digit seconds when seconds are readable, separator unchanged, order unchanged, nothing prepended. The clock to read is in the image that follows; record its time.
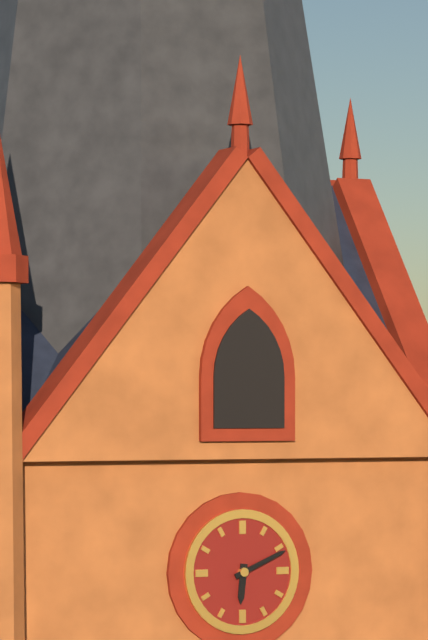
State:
6,11
